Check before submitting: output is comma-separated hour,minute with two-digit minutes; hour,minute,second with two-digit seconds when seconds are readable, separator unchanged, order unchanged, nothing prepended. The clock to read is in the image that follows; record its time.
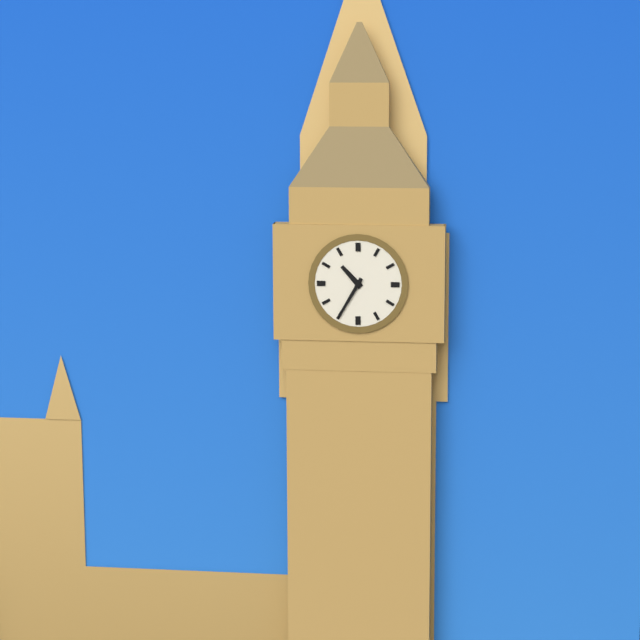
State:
10,35
